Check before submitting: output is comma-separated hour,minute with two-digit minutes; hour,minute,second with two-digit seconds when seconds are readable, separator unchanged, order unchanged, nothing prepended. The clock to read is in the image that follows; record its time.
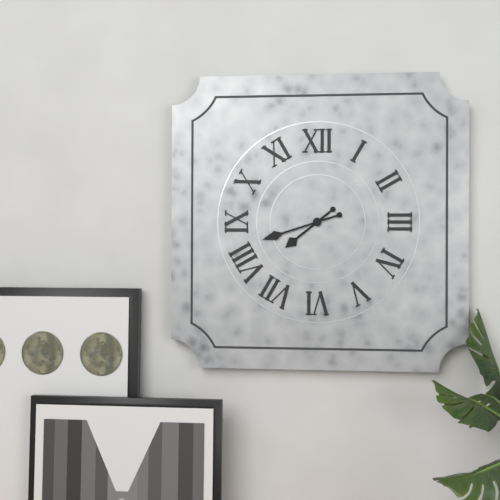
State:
7,42
